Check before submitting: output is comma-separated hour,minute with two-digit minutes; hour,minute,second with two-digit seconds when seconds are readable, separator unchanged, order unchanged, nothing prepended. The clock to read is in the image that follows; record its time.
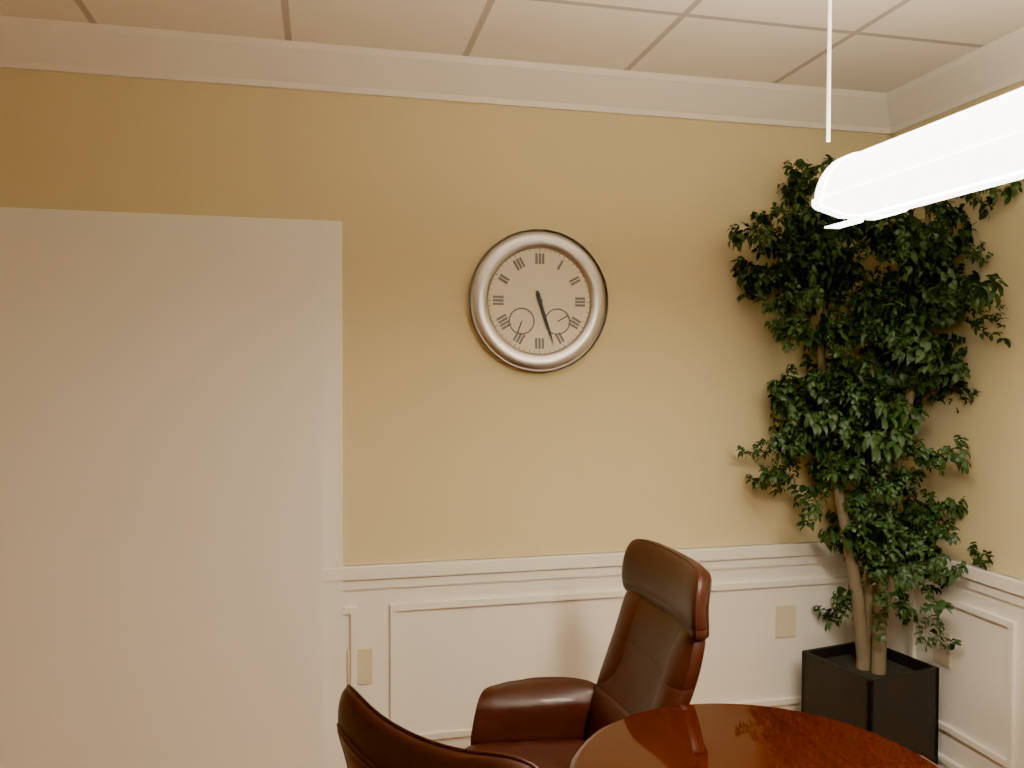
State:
5,27
